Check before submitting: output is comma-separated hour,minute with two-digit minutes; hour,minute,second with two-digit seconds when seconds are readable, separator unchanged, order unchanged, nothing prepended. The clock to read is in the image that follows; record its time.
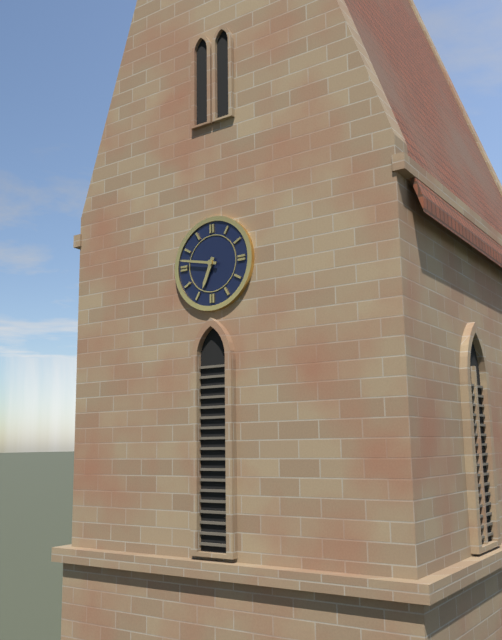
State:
6,47
